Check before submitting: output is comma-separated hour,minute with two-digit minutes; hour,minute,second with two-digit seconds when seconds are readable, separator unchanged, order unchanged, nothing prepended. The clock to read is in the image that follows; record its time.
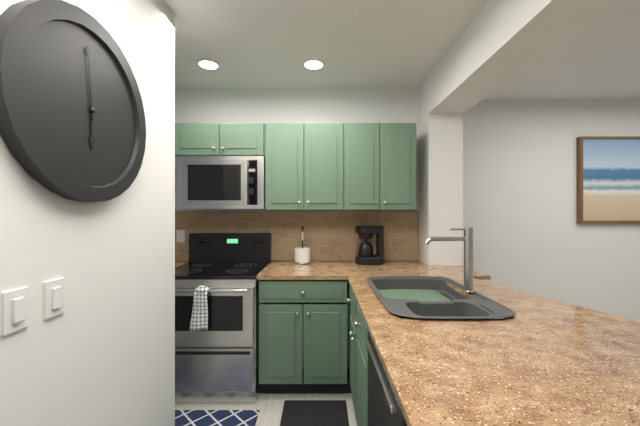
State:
5,59
